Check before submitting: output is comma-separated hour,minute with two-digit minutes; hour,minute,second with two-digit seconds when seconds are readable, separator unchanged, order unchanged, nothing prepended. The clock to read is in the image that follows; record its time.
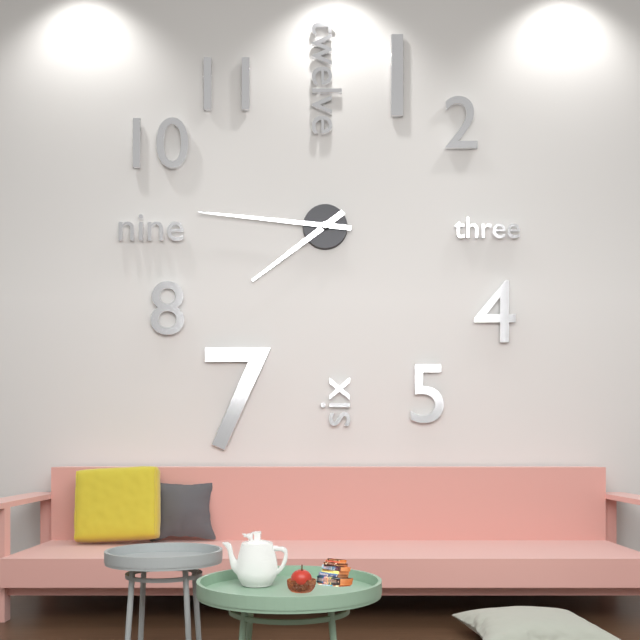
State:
7,46
